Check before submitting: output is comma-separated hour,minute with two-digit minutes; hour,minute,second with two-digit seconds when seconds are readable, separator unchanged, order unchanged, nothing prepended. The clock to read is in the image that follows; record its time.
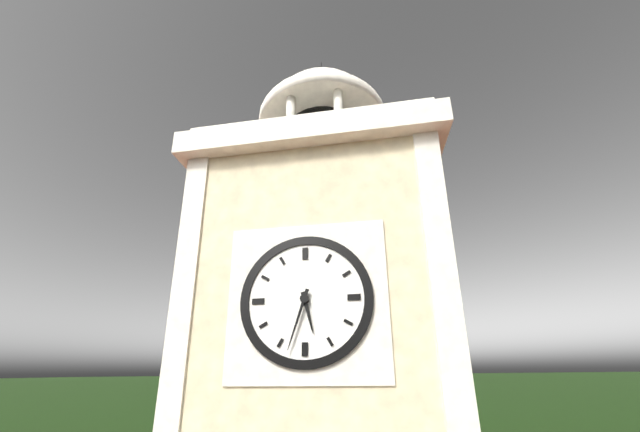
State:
5,33
